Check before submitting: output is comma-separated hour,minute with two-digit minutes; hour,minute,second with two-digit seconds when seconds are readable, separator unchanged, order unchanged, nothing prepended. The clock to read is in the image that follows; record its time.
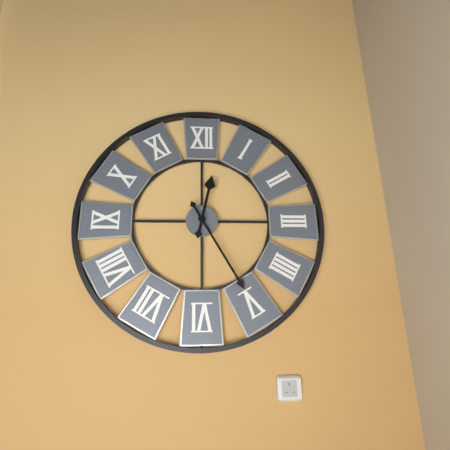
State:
12,25
